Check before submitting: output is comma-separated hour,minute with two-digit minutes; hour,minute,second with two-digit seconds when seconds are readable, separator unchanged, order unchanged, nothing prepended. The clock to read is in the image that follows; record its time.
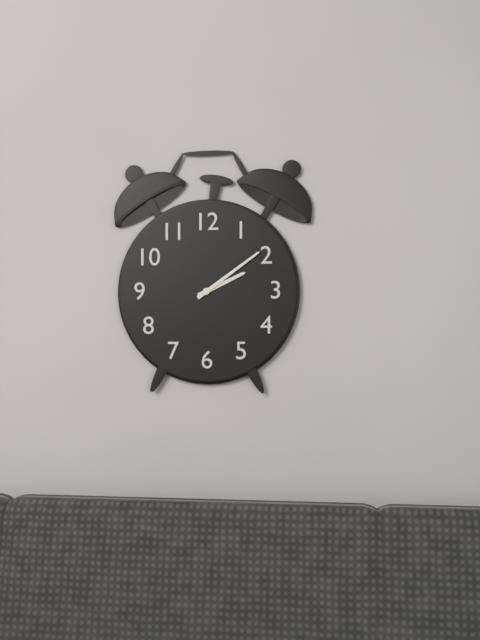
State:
2,09
